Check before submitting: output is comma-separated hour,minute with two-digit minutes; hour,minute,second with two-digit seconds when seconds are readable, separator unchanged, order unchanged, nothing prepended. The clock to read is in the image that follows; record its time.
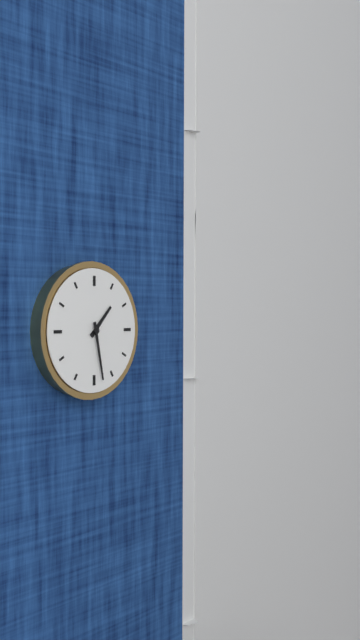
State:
1,28
